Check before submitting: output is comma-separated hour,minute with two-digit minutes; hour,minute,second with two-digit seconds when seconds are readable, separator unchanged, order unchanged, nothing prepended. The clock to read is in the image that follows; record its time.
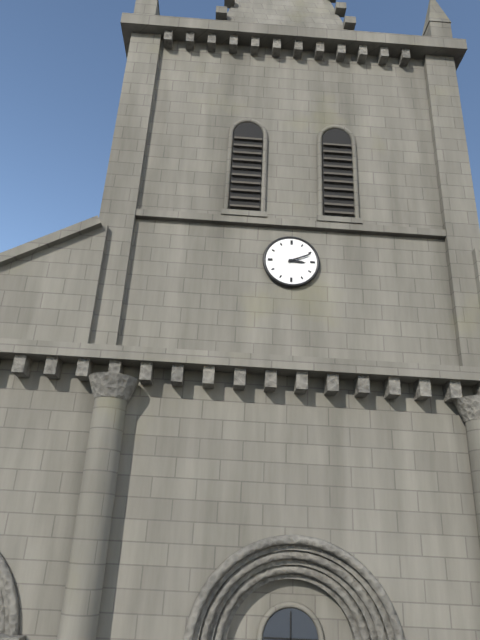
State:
3,11
